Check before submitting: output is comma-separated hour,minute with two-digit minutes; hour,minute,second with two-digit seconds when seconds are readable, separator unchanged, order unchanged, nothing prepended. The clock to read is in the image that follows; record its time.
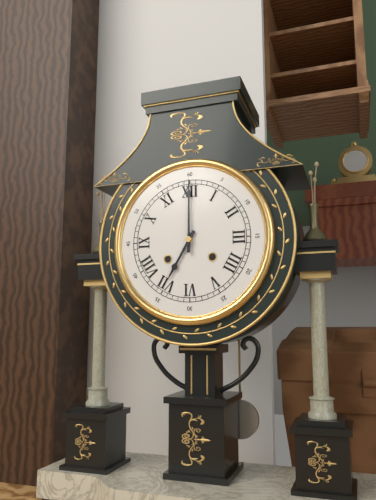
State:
7,00
